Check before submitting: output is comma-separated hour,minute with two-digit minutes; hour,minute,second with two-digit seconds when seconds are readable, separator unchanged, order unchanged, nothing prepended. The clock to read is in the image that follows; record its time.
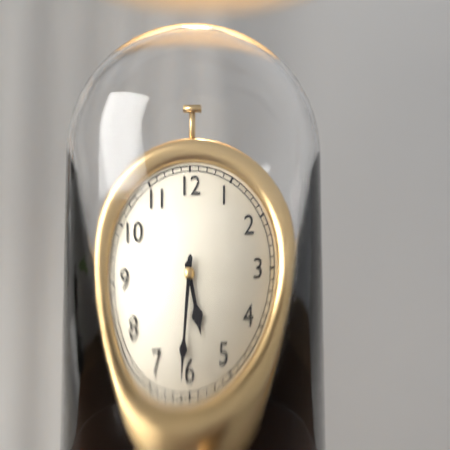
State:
5,31
